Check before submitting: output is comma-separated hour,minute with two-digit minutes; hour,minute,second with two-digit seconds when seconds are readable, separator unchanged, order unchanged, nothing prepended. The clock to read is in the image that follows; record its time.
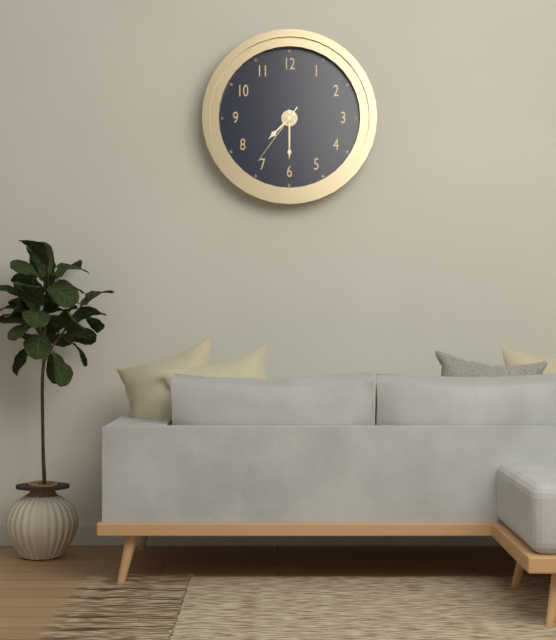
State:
7,30,36
